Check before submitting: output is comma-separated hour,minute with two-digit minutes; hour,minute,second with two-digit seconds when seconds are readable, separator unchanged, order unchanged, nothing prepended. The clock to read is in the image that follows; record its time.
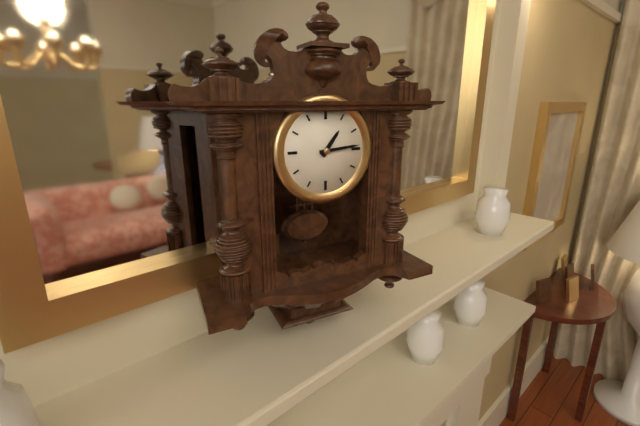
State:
1,14
